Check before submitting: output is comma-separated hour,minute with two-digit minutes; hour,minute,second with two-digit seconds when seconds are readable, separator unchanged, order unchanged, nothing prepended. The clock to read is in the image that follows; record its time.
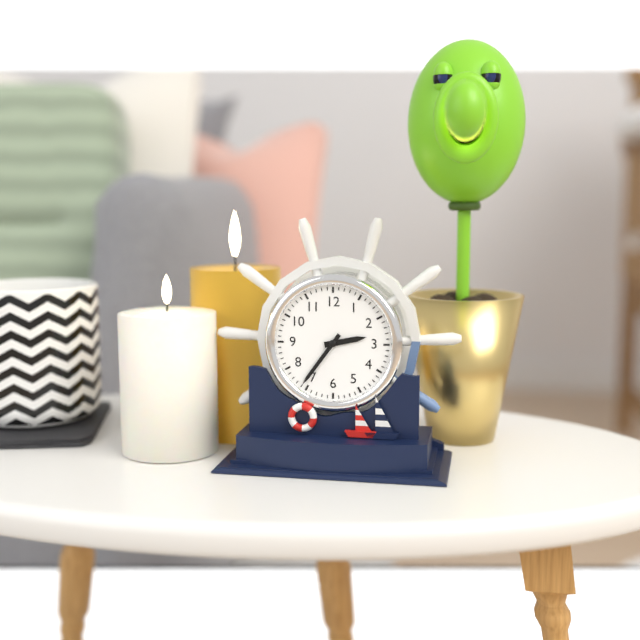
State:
2,36
